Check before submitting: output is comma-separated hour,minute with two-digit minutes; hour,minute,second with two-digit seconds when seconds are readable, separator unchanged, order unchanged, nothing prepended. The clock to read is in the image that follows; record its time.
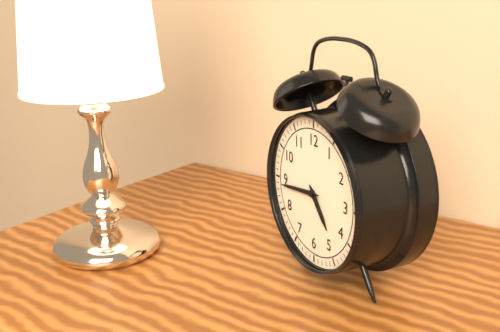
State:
4,44
